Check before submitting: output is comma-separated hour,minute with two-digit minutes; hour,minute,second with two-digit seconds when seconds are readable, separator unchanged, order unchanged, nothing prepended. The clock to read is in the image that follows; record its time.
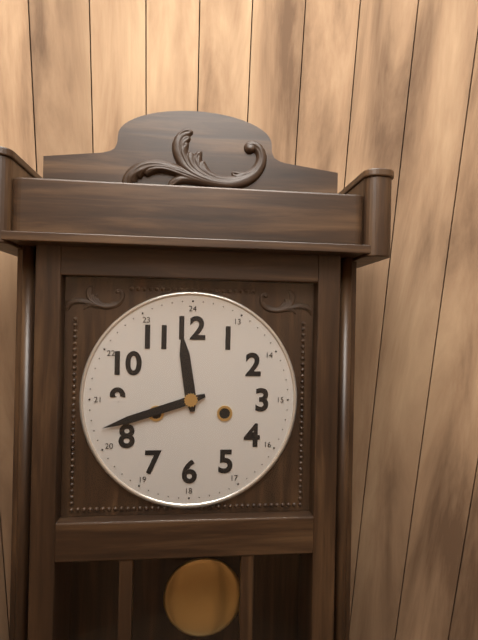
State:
11,42
